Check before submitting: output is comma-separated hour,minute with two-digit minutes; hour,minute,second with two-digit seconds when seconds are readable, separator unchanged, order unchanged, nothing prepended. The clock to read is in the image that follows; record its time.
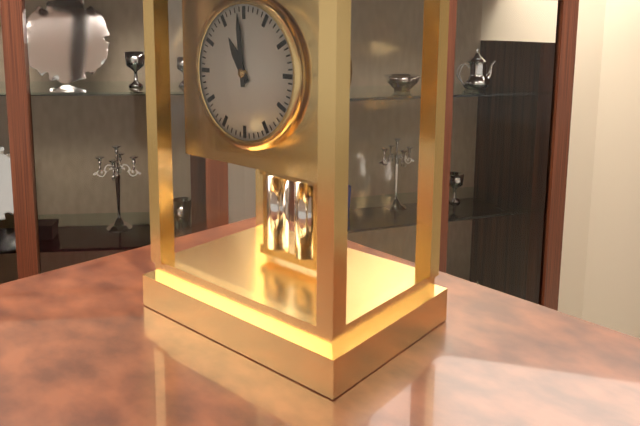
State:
10,59
